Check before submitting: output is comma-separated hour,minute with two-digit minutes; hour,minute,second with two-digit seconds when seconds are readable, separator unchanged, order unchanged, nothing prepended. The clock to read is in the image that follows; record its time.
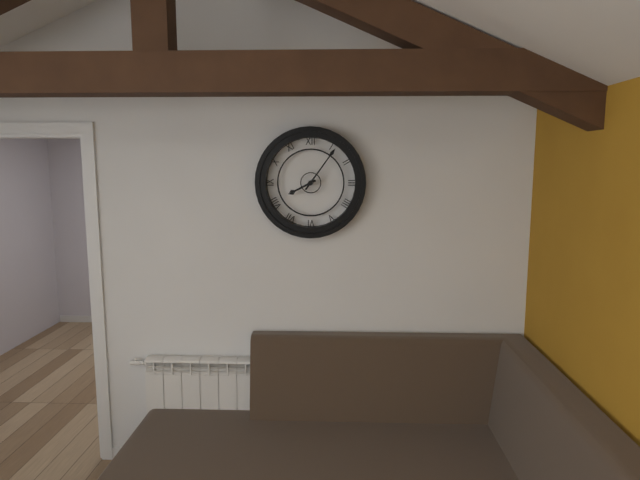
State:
8,06
